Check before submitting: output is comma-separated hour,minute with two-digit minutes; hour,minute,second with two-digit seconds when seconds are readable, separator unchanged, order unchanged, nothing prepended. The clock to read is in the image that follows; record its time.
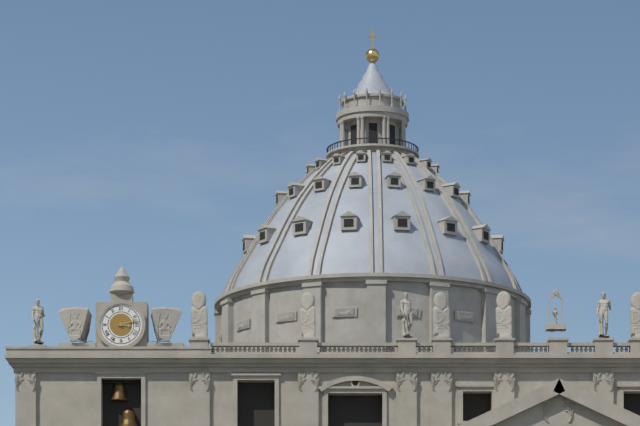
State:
3,12
